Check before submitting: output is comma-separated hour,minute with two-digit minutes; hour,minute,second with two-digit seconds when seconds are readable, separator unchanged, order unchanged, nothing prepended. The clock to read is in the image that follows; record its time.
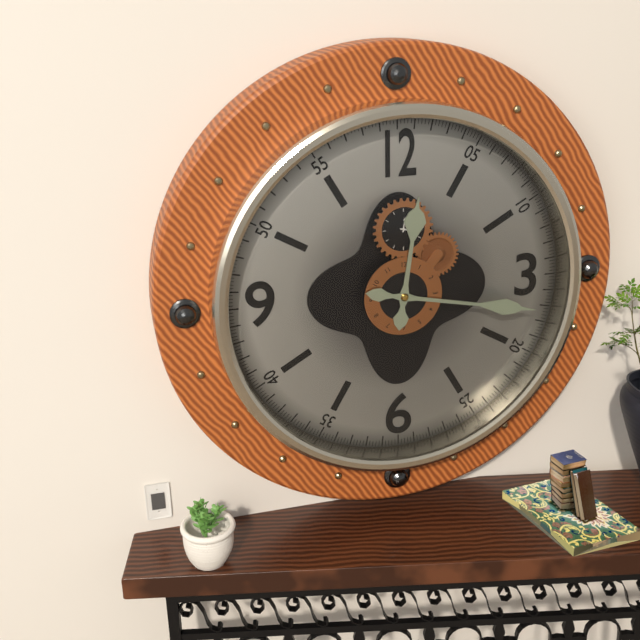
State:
12,17
